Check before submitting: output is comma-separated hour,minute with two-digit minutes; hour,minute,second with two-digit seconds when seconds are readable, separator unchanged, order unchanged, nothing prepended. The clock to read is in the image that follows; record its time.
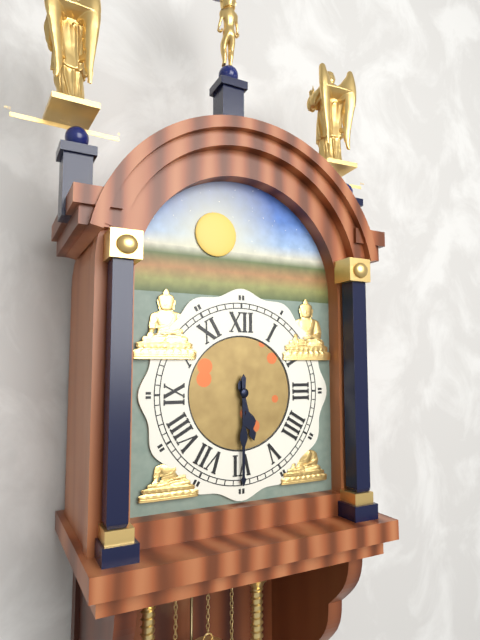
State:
5,30
